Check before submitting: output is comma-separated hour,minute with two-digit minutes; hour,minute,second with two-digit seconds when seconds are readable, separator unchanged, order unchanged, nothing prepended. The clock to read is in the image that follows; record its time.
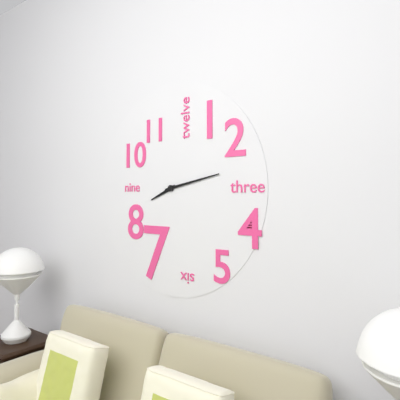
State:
8,13
